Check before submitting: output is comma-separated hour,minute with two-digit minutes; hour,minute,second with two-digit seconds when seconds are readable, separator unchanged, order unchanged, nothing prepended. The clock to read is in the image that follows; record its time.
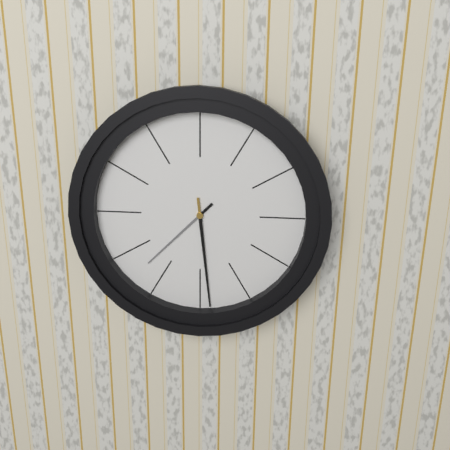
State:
7,29
